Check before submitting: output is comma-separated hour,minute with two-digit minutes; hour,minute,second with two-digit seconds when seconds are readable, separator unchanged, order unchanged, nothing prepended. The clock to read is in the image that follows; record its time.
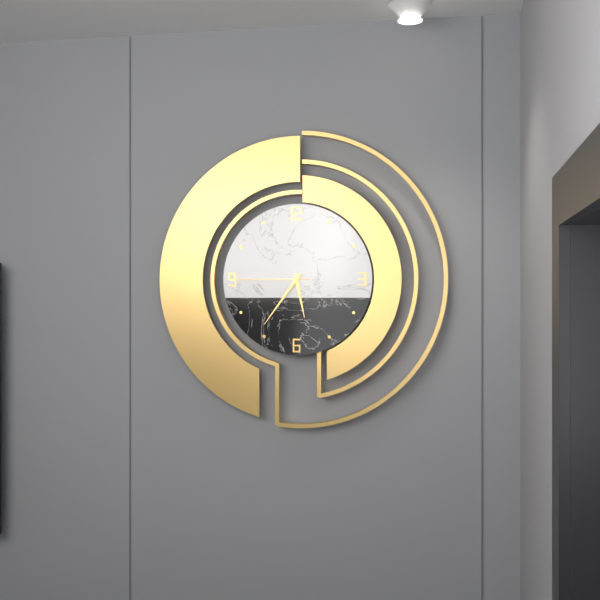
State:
5,36,45
